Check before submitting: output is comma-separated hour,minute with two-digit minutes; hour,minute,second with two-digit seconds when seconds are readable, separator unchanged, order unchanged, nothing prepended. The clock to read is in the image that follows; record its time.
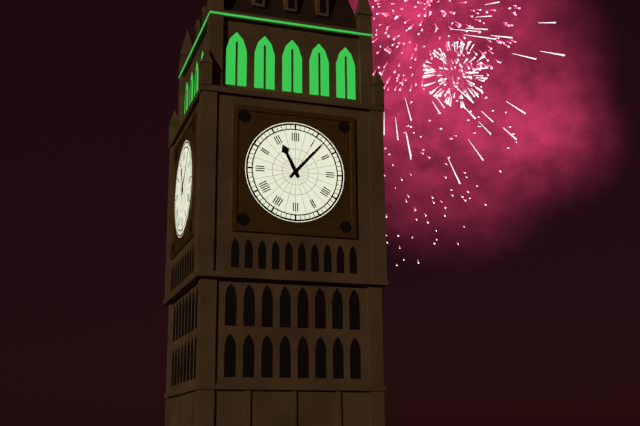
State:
11,07
